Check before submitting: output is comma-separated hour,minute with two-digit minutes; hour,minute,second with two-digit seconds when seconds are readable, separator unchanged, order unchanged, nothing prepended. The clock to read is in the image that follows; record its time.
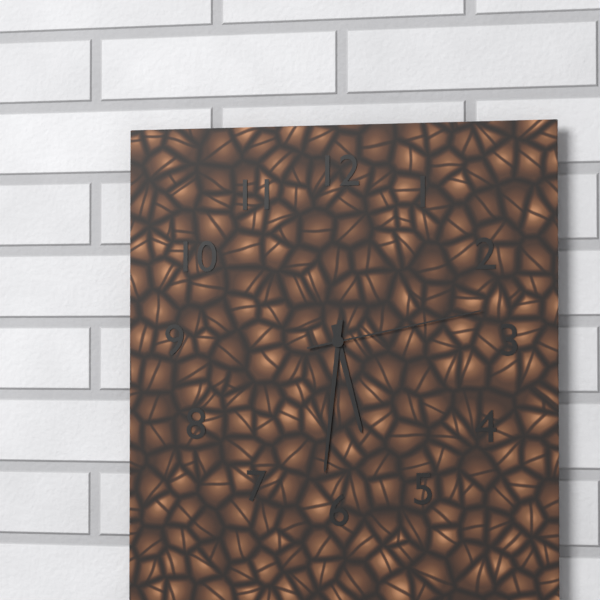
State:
5,31,13
